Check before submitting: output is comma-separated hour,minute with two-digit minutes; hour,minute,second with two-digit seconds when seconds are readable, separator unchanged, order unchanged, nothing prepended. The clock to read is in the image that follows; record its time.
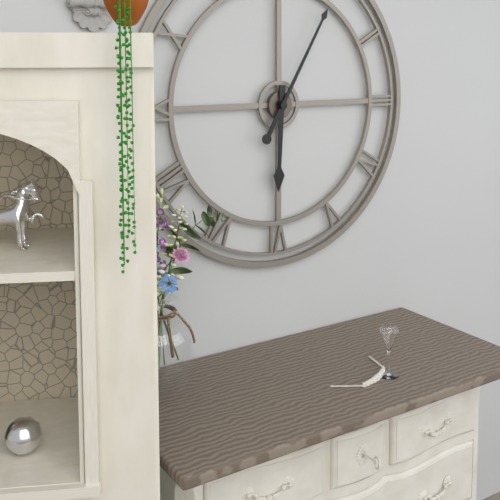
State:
6,05
